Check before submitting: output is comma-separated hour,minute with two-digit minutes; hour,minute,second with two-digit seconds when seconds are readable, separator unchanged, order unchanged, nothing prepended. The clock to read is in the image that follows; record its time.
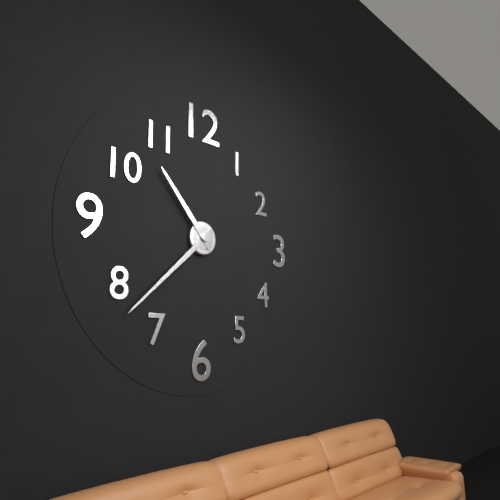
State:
10,38
